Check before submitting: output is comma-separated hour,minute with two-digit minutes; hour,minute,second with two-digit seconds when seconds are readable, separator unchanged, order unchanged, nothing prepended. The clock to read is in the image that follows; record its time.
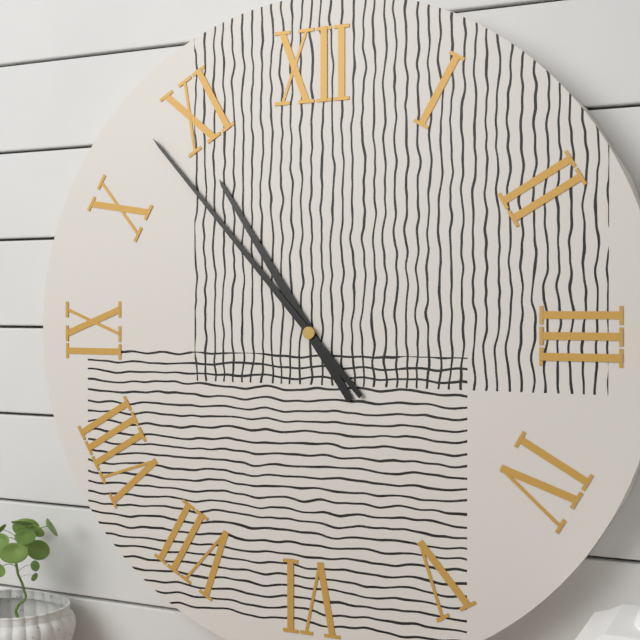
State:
10,53
